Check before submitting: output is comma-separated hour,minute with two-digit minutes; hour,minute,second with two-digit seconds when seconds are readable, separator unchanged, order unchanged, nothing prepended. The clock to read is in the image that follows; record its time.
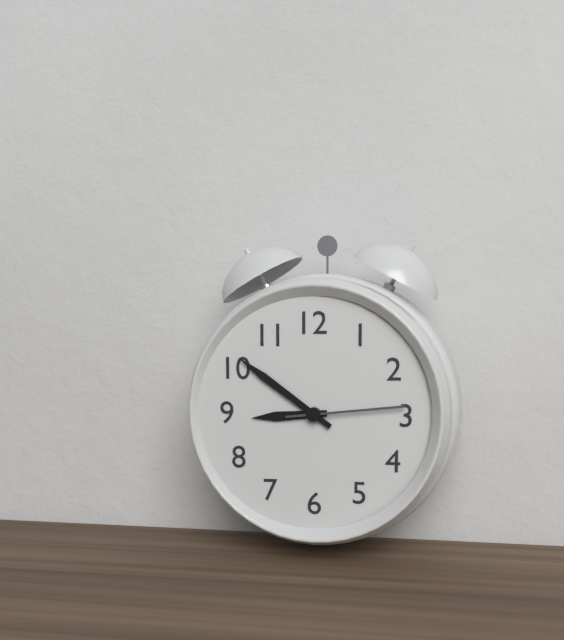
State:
8,51,14
